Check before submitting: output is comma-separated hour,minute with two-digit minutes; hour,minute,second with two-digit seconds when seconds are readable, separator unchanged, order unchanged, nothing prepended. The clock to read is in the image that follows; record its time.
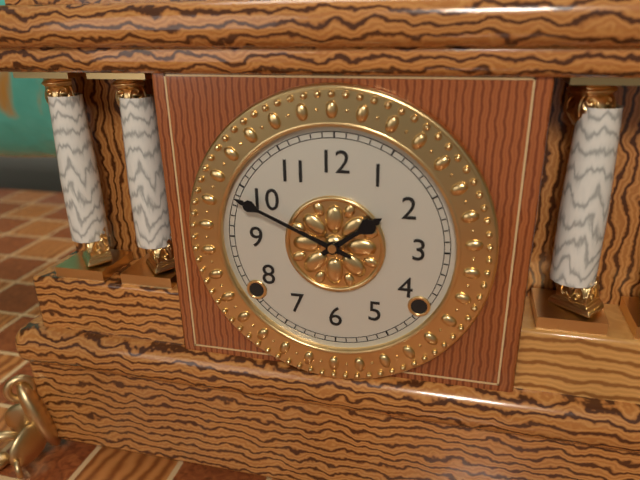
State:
1,49
